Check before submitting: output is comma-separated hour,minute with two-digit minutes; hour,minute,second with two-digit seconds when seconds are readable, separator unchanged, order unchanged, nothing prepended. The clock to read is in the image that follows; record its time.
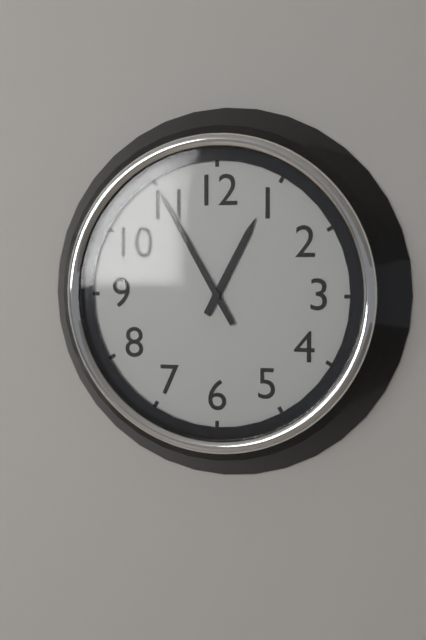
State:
12,55
